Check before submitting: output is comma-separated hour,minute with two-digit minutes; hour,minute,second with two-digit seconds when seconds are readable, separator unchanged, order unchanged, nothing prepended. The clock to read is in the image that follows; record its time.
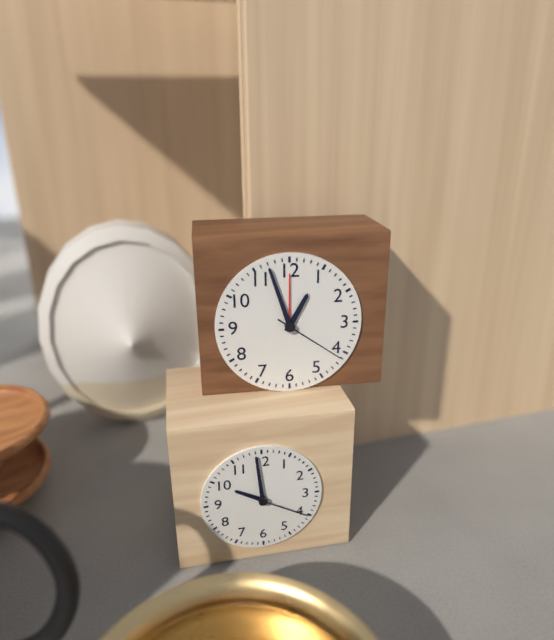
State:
12,57,21
